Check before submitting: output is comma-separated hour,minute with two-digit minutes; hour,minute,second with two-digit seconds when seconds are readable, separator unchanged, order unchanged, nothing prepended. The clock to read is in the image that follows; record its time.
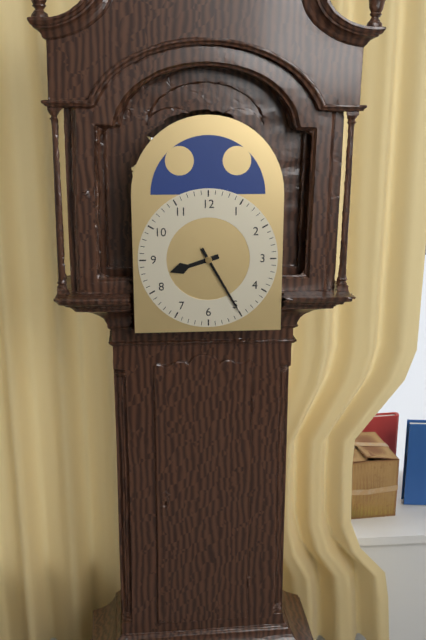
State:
8,25
